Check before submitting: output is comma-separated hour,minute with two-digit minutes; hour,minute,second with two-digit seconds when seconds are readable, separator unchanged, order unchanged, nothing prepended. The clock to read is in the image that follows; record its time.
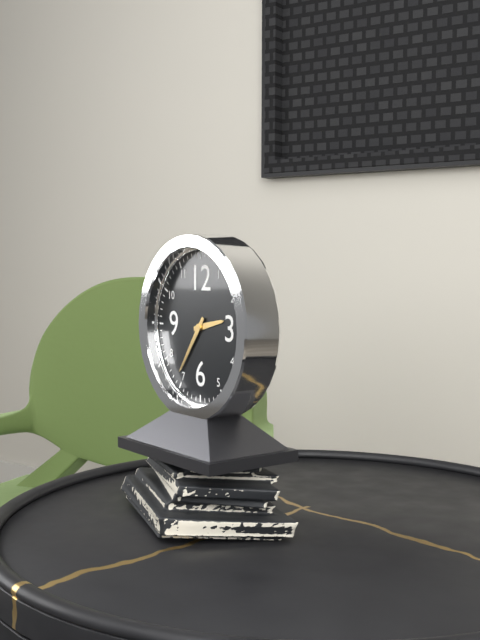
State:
2,36
